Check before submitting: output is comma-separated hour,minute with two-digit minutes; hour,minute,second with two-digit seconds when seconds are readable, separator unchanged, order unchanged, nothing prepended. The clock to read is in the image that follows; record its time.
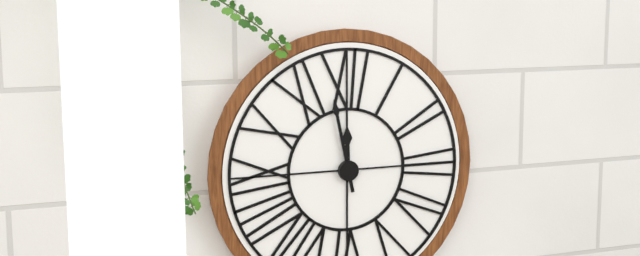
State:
11,58
